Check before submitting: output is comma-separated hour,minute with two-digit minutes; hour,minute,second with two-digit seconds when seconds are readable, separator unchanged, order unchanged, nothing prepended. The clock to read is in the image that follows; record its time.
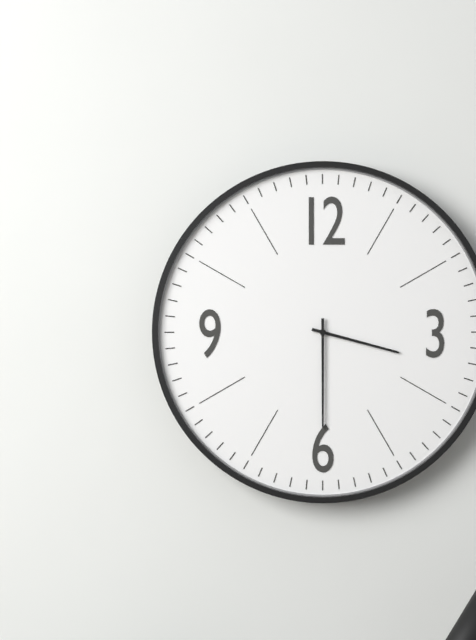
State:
3,30
